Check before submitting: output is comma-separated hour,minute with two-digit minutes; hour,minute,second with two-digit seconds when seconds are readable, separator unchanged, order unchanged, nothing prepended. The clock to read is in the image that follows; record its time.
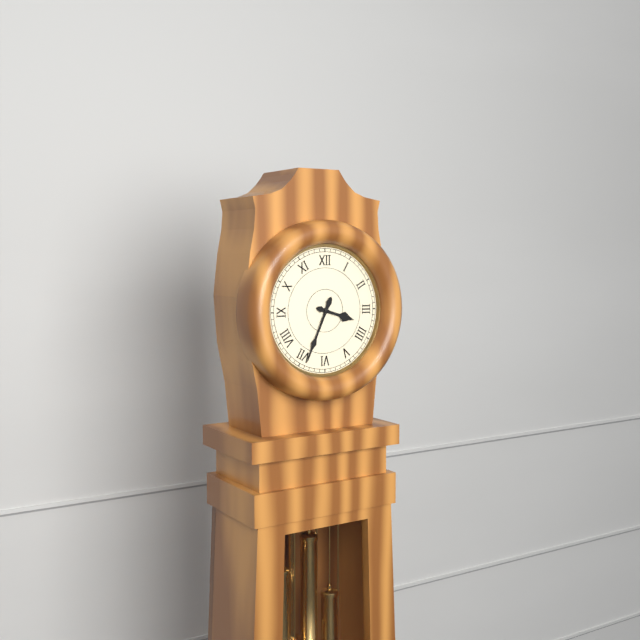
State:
3,34
